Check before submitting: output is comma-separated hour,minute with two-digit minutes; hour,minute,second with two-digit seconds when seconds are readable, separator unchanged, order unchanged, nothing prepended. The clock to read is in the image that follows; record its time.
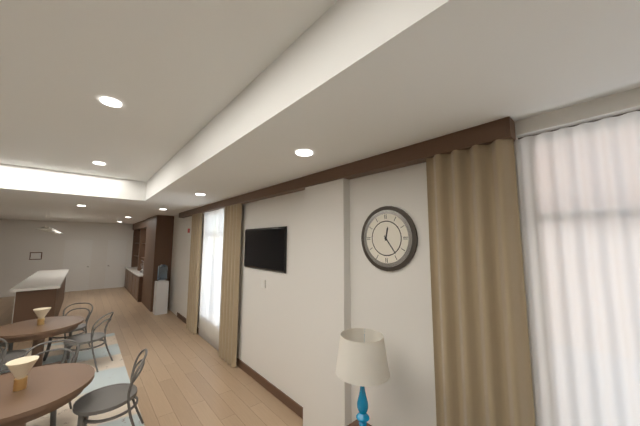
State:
12,24
